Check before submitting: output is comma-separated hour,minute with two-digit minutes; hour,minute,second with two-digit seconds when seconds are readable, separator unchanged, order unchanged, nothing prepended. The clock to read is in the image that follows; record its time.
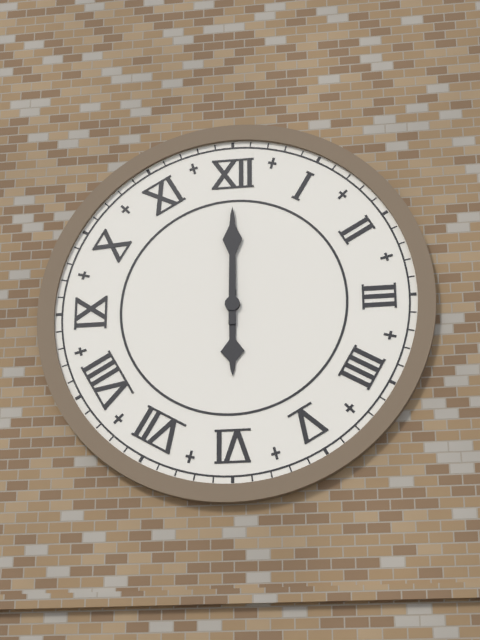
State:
6,00
